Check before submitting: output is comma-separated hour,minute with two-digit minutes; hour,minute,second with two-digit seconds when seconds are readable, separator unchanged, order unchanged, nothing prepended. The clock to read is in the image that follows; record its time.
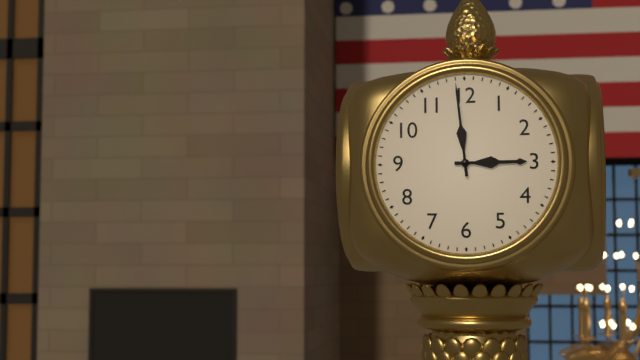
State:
2,59
